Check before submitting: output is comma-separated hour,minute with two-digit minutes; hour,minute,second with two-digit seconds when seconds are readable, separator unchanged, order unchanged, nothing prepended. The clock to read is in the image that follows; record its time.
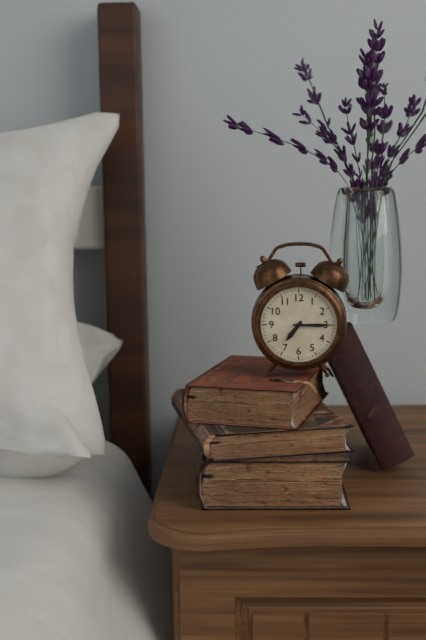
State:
7,15
